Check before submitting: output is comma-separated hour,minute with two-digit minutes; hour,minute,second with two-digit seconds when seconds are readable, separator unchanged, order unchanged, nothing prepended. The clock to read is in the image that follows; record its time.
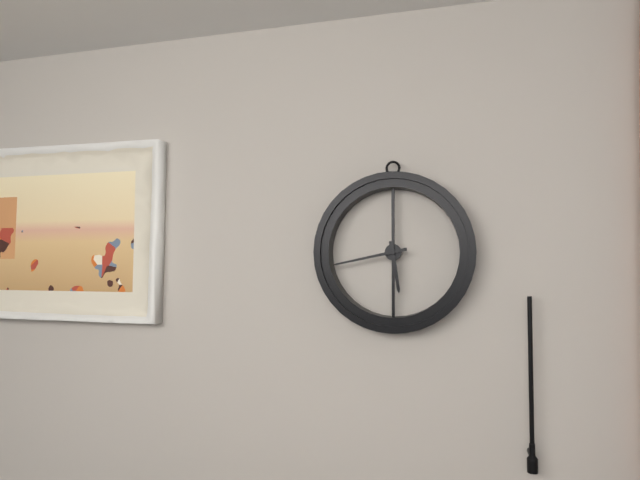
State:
5,43
